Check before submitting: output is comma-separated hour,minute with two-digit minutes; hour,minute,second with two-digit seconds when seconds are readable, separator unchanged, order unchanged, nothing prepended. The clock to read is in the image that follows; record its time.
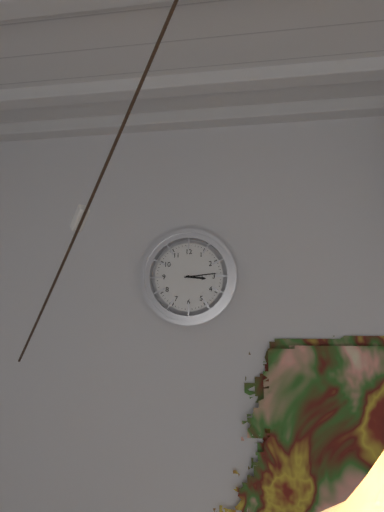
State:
3,14
